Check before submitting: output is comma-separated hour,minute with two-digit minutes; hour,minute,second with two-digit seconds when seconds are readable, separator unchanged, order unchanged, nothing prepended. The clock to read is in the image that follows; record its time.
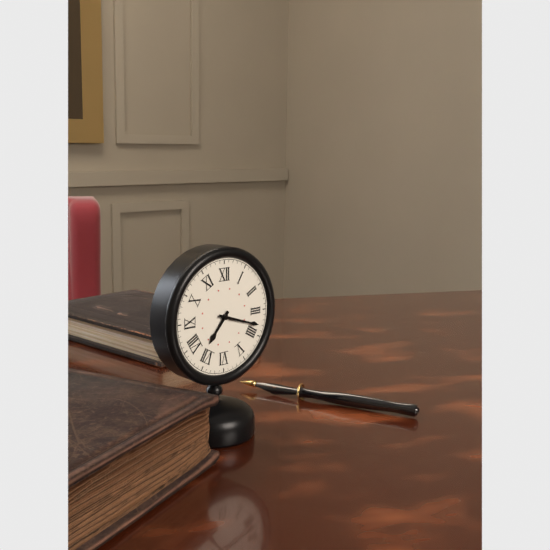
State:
7,18
